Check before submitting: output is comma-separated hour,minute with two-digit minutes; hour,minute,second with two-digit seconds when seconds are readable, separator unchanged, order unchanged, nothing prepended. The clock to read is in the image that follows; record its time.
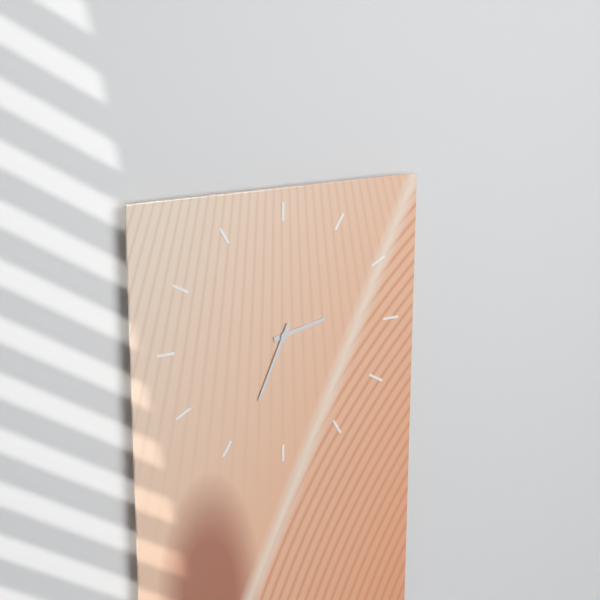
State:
2,34
